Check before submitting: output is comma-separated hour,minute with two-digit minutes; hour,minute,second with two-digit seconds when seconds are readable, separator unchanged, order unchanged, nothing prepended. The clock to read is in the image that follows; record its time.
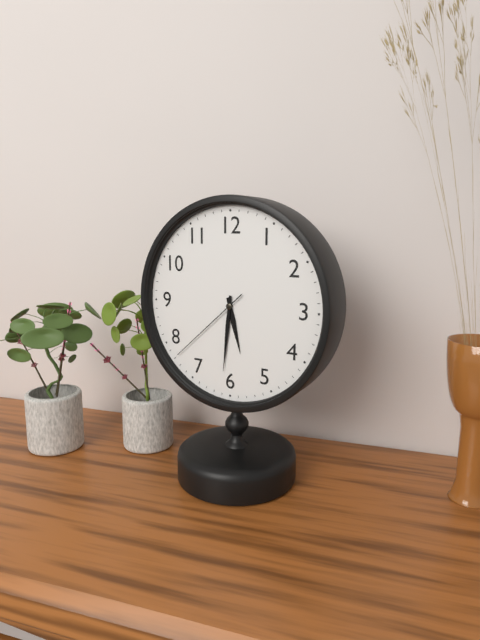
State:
5,31,38
